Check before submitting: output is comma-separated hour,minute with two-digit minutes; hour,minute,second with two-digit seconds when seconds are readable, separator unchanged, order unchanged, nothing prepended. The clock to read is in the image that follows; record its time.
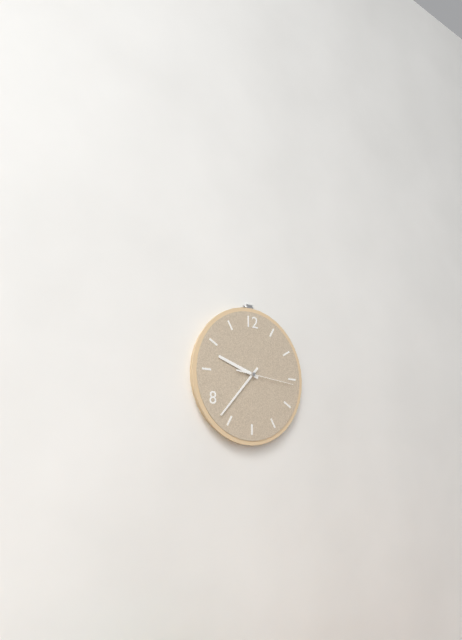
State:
9,37,16
